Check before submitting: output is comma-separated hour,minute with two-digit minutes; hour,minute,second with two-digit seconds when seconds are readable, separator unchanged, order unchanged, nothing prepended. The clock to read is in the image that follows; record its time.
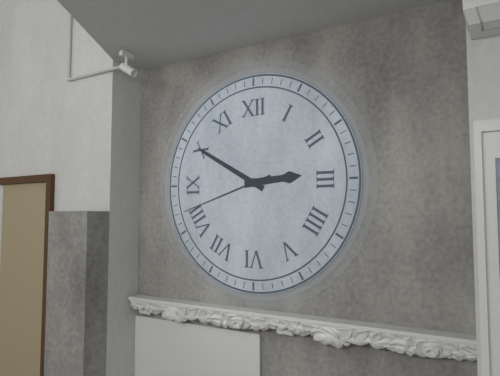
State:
2,50,42
